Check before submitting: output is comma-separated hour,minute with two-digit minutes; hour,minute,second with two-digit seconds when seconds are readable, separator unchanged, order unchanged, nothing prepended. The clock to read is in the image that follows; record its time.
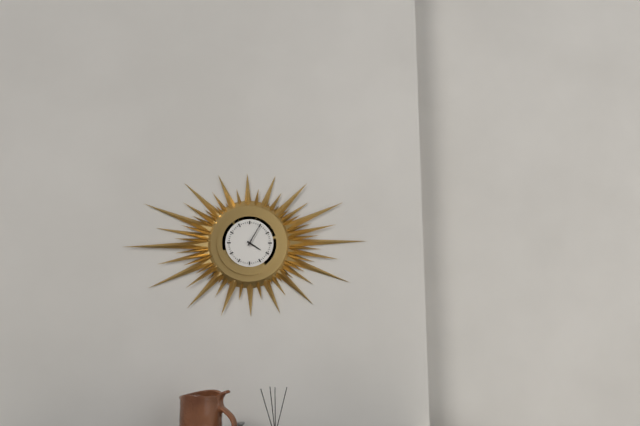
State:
4,05
